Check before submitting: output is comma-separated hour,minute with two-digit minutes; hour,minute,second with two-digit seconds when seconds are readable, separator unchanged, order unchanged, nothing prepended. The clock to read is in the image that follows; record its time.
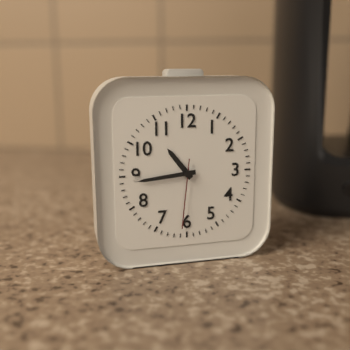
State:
10,44,31
